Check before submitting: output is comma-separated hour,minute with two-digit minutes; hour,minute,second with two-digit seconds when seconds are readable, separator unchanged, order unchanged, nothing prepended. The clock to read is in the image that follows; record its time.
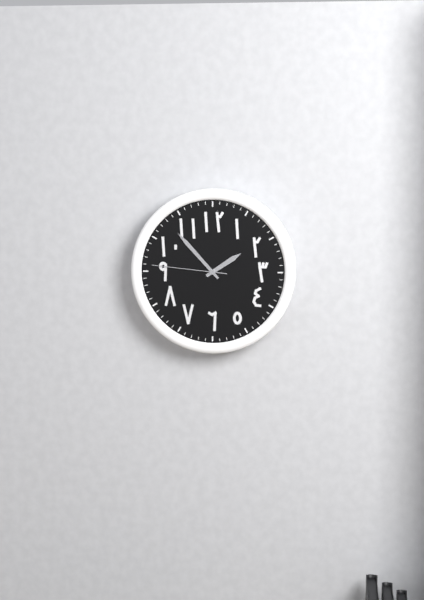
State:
1,53,46
